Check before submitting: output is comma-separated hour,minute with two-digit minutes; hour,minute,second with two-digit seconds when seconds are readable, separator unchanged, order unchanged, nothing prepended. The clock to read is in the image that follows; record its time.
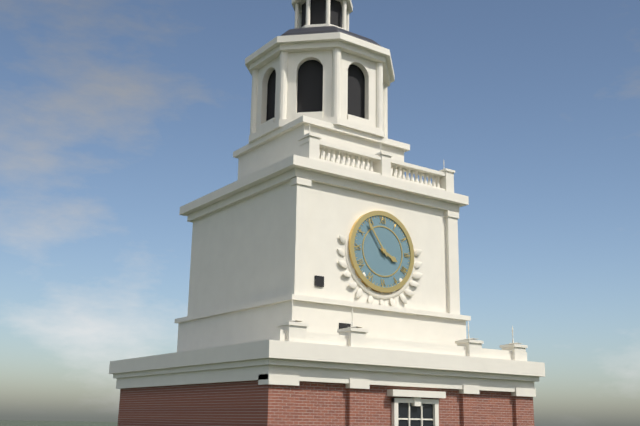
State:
3,54
